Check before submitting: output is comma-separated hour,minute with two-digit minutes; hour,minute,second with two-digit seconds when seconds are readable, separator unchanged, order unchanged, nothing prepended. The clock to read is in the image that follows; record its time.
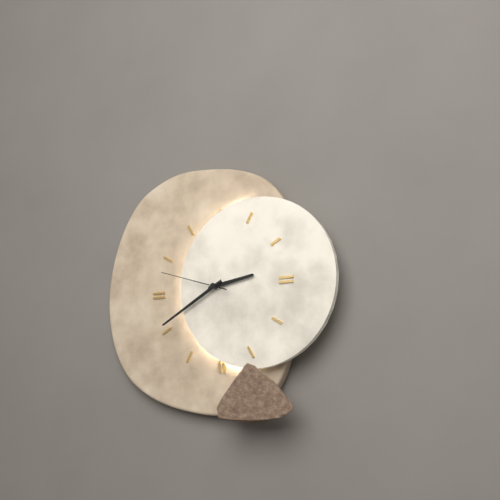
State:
2,40,48
